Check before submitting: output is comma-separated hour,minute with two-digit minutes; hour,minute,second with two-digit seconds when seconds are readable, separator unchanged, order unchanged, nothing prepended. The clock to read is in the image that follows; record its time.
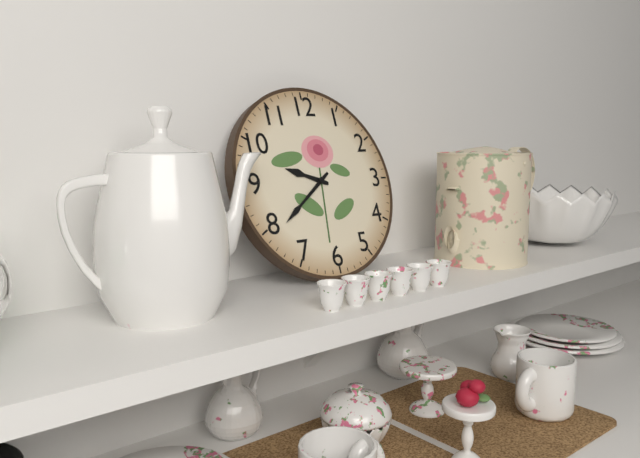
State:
9,39
